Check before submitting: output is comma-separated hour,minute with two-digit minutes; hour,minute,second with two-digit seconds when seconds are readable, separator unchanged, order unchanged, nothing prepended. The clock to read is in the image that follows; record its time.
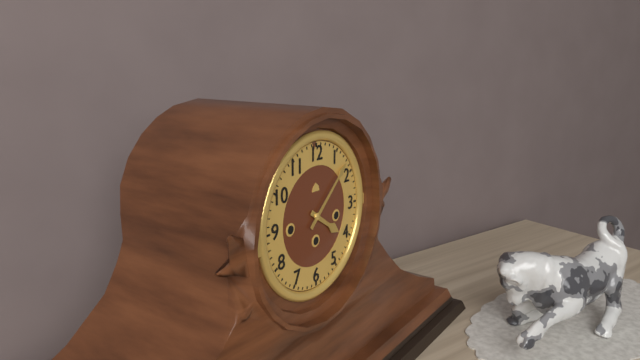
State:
4,08
